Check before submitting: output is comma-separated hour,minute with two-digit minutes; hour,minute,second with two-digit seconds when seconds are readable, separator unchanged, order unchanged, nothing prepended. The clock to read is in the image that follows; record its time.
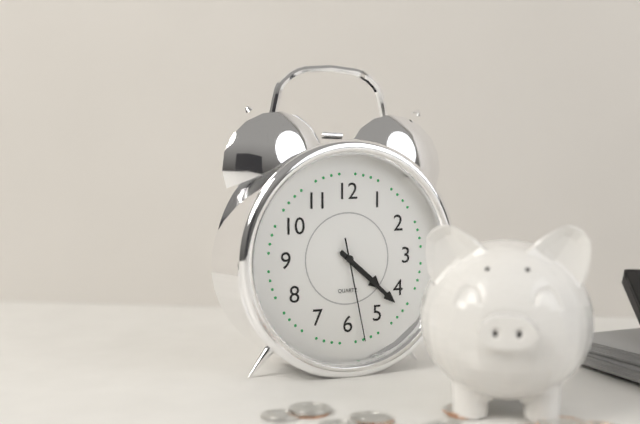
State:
4,22,28
